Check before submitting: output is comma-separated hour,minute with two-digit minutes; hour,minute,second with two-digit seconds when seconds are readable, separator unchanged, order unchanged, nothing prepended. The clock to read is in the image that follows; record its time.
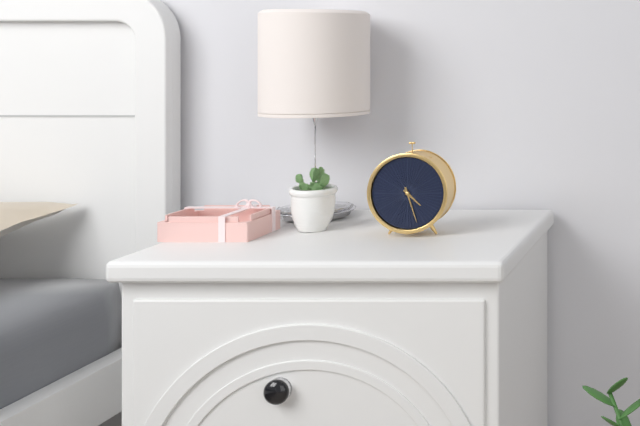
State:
4,27
